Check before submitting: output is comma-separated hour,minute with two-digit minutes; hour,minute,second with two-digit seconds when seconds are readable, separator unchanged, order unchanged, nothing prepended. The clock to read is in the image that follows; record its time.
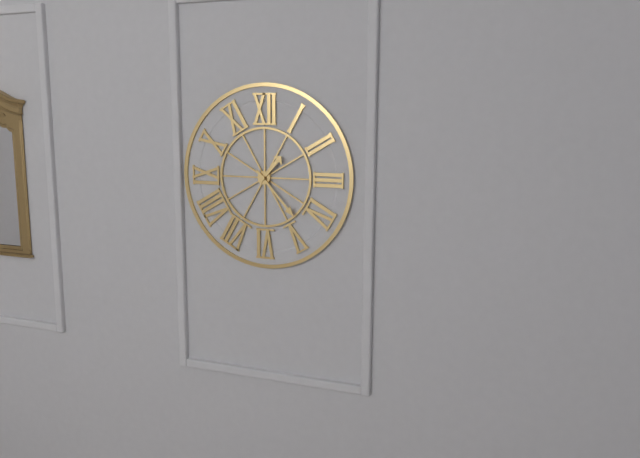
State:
1,23
